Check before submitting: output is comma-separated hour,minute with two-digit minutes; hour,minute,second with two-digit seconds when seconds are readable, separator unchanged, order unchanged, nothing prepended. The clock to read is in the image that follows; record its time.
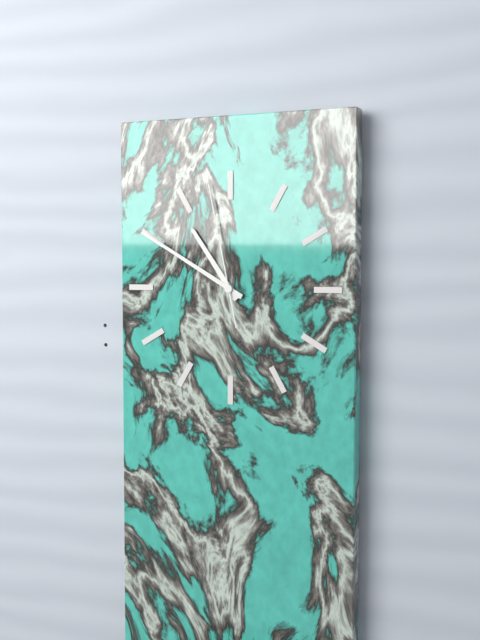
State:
10,50,58
